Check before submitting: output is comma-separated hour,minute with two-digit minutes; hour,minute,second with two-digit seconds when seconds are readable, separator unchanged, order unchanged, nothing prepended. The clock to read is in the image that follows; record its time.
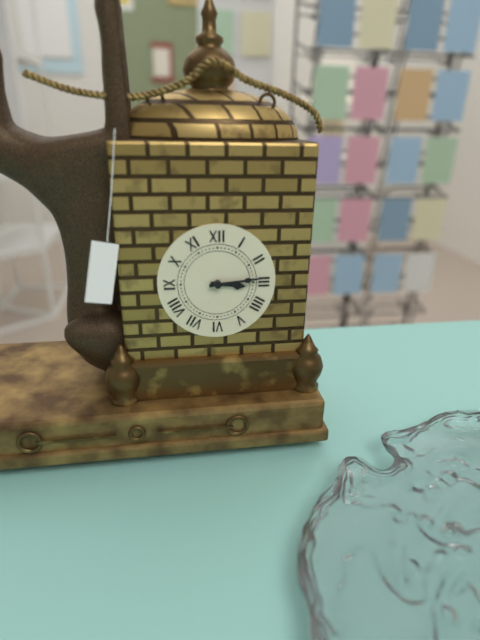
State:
3,14
